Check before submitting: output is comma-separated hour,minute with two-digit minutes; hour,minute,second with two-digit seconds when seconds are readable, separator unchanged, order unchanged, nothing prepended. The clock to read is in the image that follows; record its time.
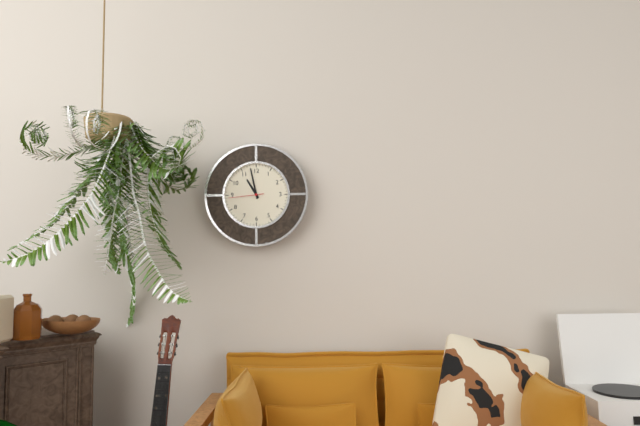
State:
10,58
